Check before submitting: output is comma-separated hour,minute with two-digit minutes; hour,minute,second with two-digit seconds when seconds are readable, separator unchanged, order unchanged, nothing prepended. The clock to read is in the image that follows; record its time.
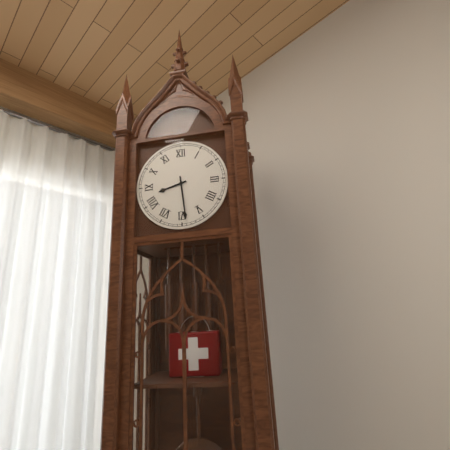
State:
8,29
